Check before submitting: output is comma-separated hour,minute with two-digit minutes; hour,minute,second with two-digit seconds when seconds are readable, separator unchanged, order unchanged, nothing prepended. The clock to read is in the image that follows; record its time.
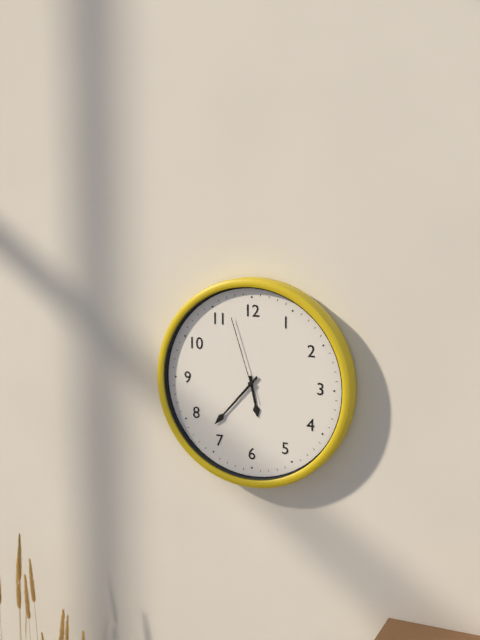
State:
5,37,57
